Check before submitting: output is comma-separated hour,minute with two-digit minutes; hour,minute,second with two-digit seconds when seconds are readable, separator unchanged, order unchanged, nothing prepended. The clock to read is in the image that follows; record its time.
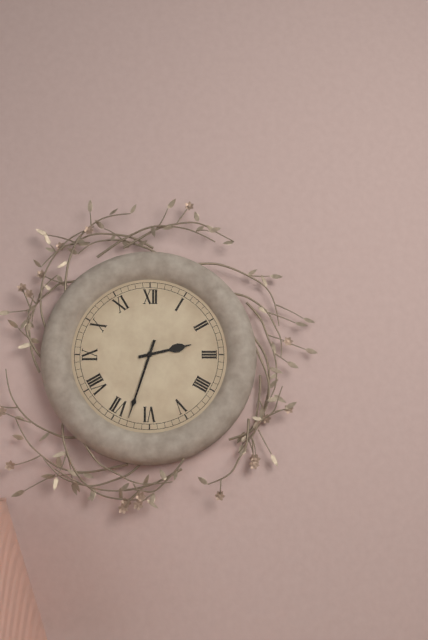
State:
2,33
